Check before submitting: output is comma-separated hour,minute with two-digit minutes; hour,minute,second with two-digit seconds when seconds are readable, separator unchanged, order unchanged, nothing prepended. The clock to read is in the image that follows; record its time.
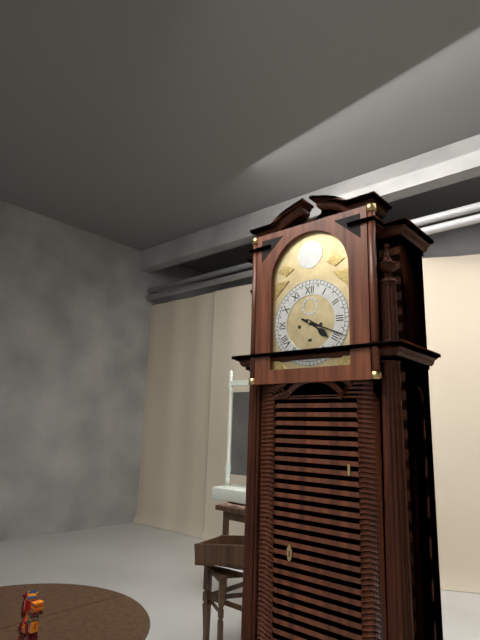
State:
4,19
